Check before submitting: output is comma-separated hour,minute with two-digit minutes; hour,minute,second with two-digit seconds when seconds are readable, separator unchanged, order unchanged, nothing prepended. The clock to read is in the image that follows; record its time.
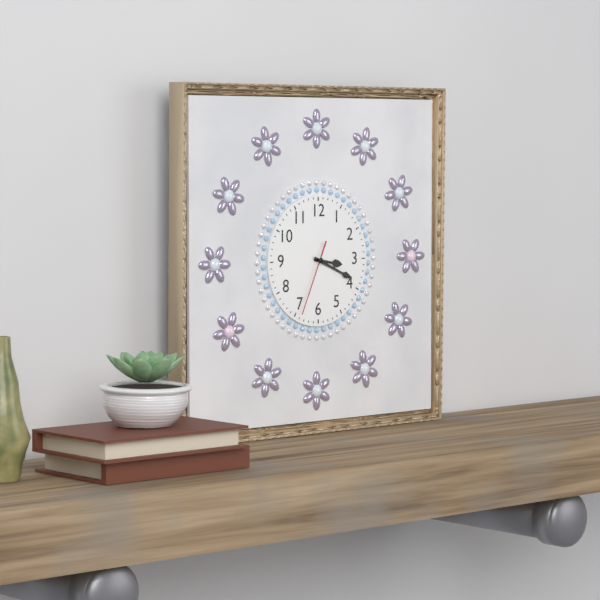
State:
3,19,34
